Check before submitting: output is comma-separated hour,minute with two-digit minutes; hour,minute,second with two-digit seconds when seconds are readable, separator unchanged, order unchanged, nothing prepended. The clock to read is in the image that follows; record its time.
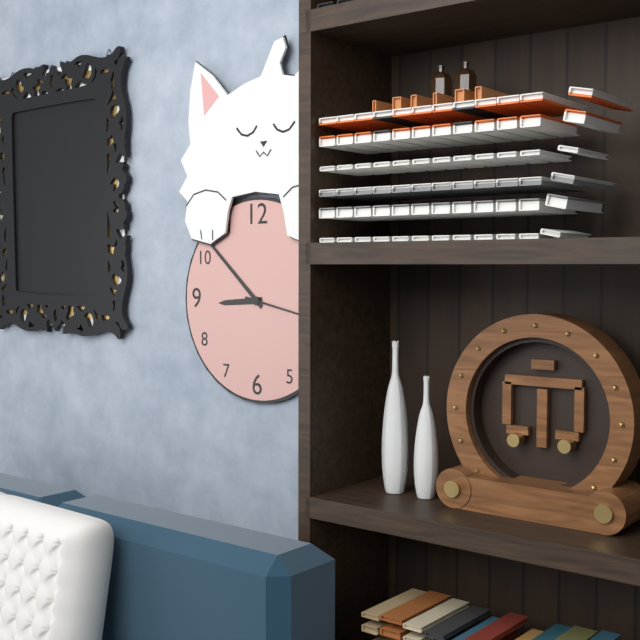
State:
8,52,17
